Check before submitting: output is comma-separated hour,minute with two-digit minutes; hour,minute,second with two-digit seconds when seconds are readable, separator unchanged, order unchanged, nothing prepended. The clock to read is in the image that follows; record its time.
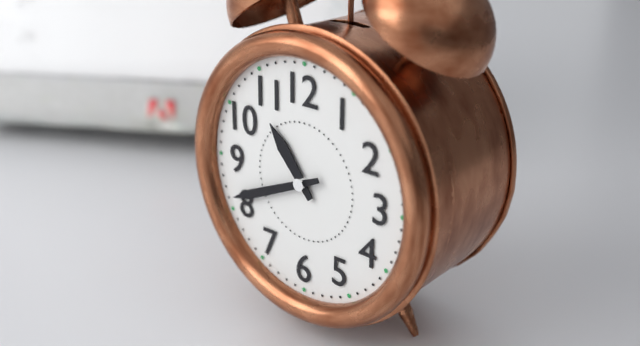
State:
10,41
